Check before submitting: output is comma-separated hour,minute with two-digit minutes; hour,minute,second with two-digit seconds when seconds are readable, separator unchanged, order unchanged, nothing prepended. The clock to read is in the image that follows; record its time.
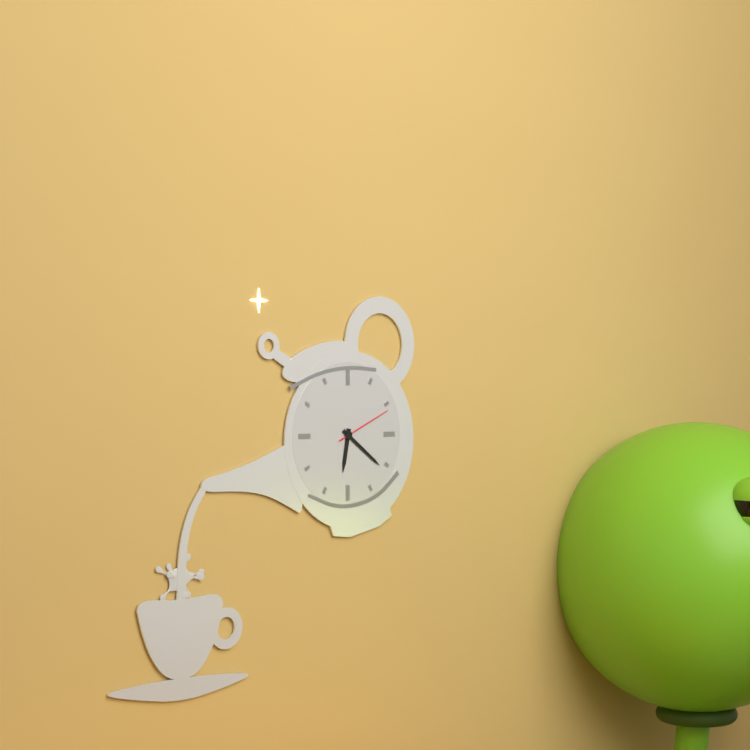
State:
6,21,11
